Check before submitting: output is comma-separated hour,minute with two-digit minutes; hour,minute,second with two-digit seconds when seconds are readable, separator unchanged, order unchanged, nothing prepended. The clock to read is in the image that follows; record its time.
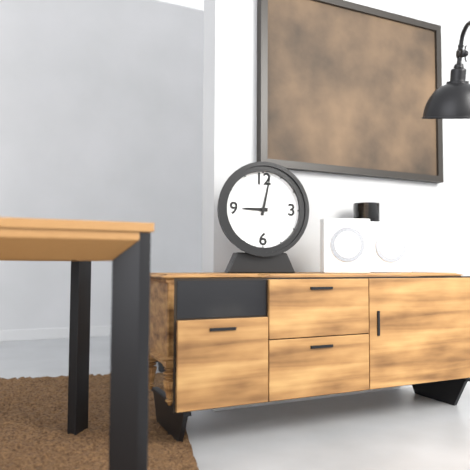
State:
9,02
